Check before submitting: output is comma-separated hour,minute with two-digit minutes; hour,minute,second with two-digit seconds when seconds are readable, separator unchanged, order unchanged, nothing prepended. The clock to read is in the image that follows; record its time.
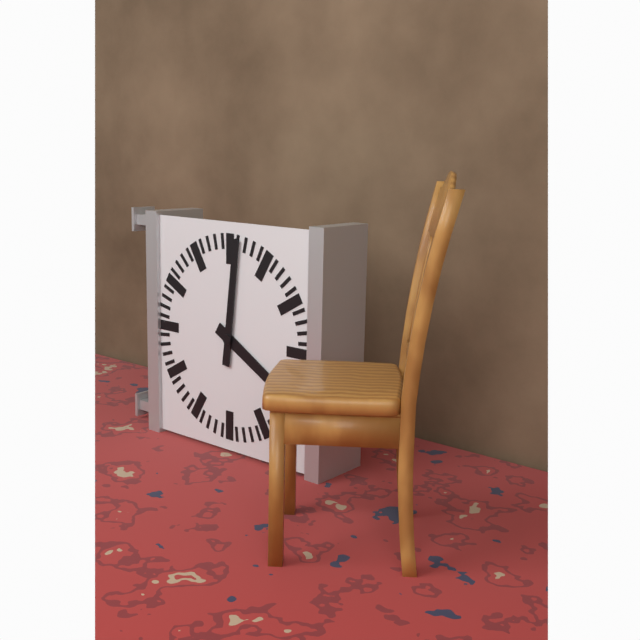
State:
4,01
